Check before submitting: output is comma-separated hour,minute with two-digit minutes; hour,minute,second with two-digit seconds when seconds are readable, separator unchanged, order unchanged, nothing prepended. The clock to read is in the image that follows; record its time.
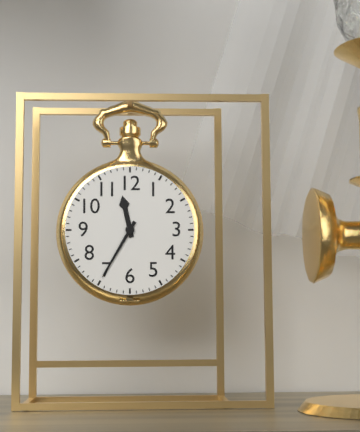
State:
11,35
